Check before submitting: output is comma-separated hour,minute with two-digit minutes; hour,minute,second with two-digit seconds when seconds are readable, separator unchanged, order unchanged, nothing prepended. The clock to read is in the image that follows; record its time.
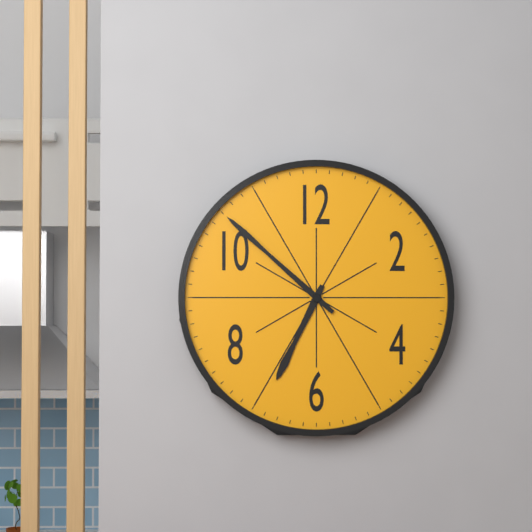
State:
6,52
